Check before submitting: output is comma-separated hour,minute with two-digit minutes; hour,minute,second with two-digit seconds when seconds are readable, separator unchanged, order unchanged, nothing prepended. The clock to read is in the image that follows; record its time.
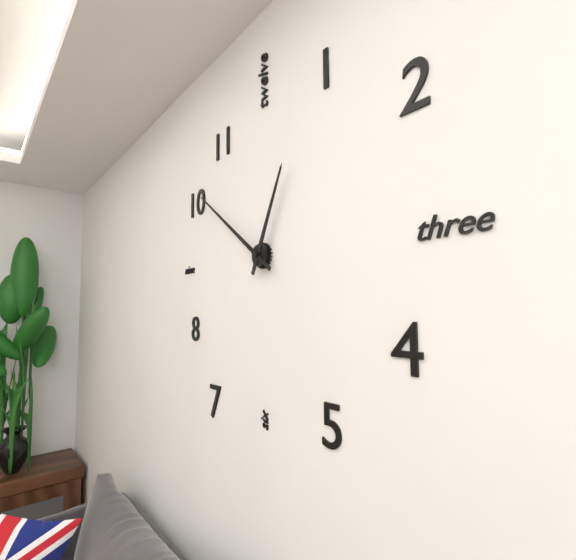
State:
12,51
